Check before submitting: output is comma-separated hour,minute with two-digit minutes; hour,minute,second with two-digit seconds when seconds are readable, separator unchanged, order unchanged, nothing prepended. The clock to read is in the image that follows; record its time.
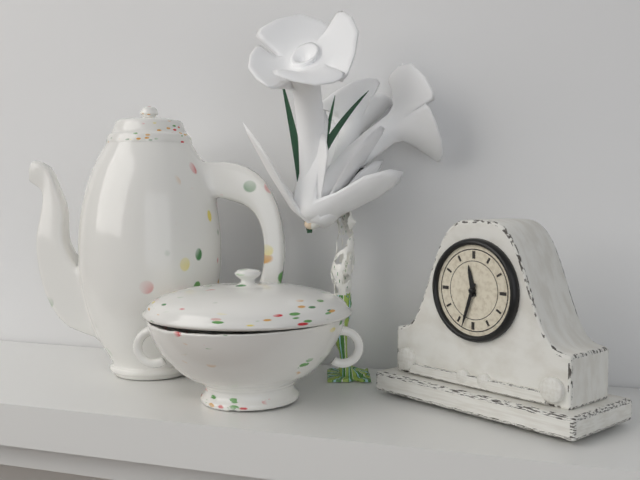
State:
11,33
